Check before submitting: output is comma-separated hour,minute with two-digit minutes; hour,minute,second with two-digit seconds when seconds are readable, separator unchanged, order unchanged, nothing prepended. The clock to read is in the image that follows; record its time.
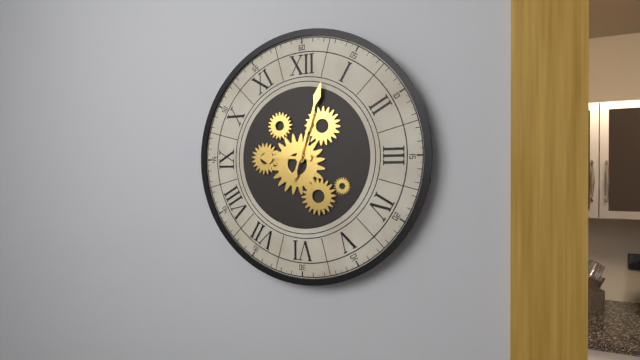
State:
9,03
